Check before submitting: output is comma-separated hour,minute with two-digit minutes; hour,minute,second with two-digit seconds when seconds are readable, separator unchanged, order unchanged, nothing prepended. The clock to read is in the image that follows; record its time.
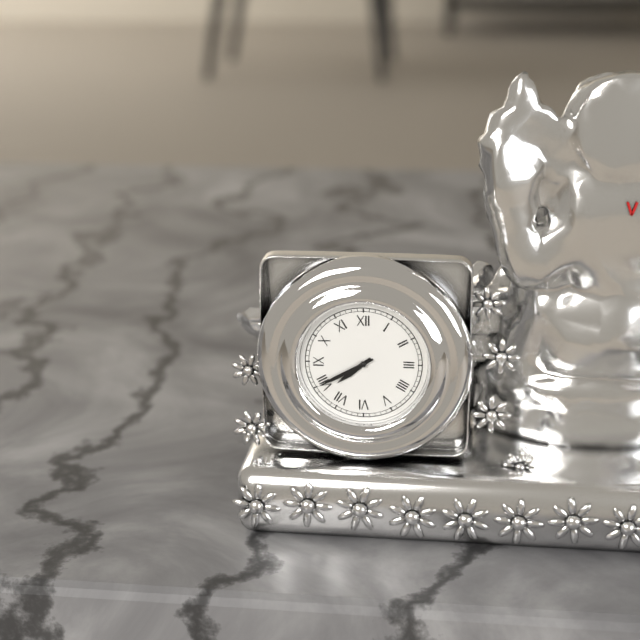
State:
7,40
